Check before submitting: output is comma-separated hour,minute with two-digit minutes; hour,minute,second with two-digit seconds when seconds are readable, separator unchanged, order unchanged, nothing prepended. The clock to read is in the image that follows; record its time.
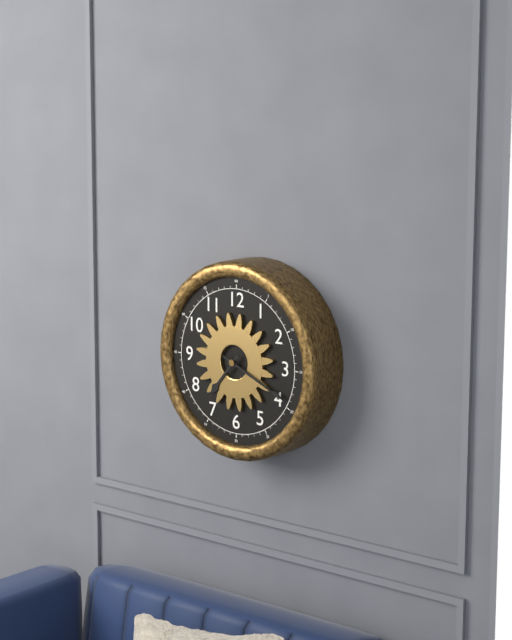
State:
7,19
